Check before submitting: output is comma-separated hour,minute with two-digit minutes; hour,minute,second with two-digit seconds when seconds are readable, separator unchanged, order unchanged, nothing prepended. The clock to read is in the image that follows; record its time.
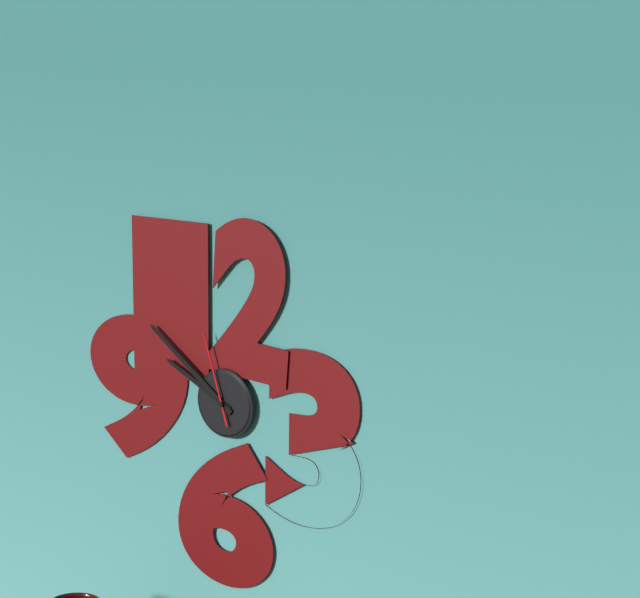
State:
9,51,57
